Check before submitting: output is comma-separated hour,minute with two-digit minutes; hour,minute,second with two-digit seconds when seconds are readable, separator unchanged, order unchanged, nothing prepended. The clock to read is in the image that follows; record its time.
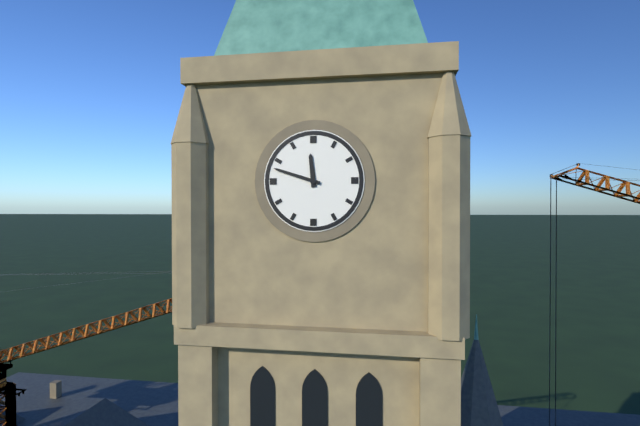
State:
11,48
